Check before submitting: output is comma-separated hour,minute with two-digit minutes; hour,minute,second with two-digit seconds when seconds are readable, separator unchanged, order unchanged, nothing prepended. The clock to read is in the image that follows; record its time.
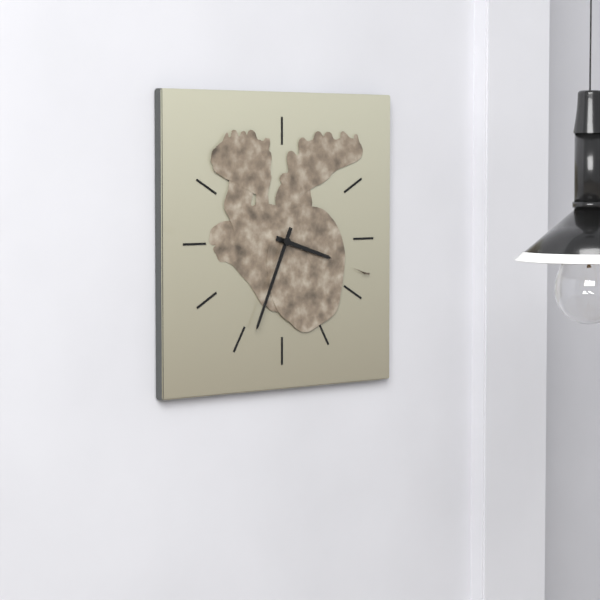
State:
3,34
